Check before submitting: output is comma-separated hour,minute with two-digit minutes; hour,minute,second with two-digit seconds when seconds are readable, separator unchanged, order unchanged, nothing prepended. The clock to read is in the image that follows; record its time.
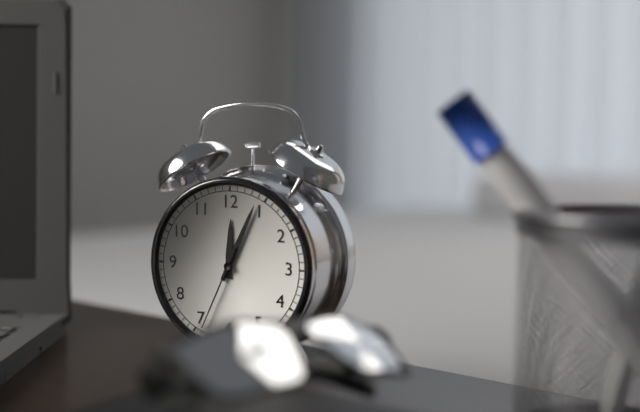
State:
12,04,34
